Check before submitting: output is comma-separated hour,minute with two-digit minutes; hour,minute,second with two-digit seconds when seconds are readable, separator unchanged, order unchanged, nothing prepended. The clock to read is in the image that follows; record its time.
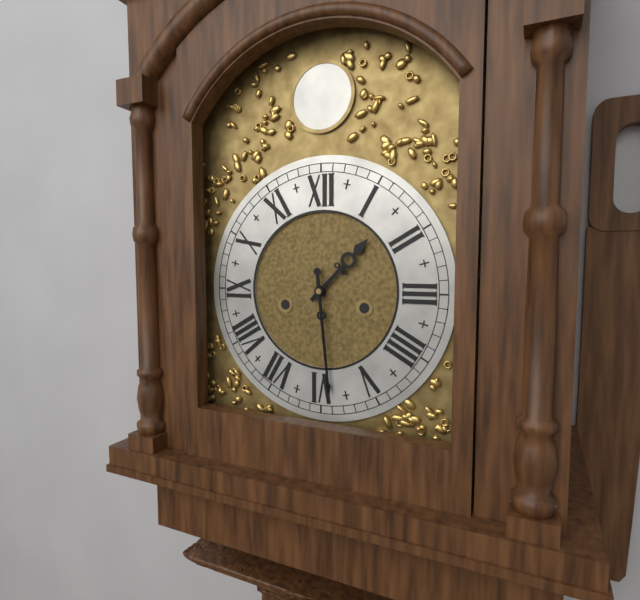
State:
1,29
